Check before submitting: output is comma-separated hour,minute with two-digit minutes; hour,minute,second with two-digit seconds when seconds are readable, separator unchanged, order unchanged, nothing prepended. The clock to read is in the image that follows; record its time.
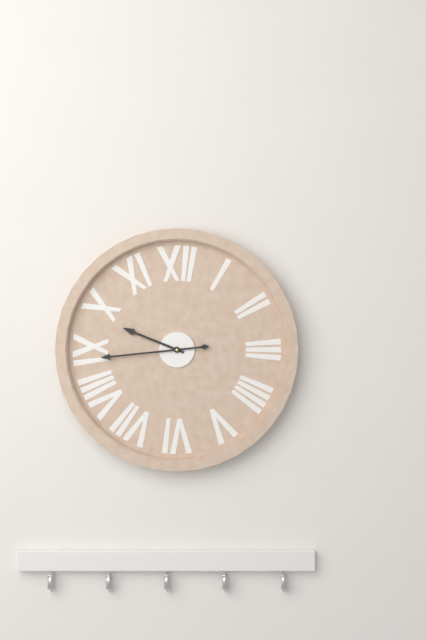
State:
9,44
